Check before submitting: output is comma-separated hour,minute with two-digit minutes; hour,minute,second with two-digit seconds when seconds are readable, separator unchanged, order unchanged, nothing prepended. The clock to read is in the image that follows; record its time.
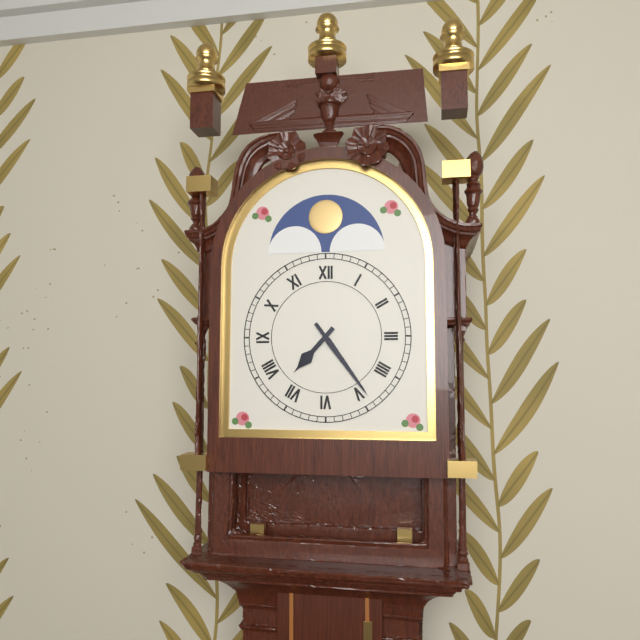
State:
7,24
